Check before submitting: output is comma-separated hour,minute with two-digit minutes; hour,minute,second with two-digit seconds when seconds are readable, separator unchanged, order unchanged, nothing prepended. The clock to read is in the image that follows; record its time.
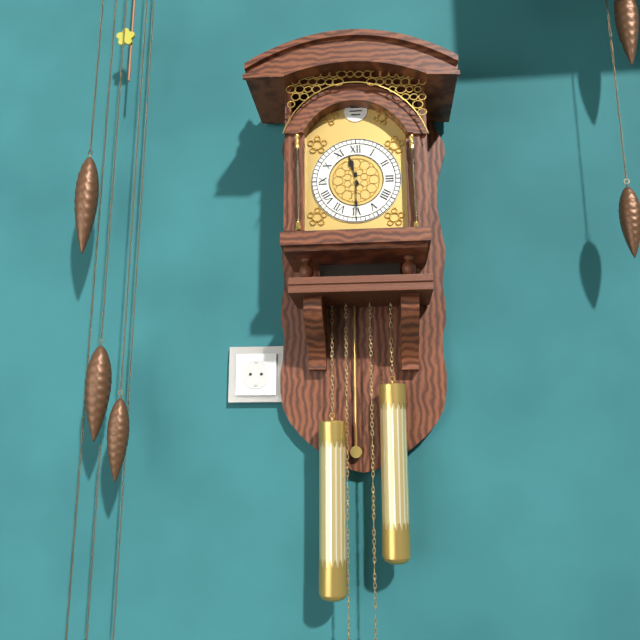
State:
11,30
